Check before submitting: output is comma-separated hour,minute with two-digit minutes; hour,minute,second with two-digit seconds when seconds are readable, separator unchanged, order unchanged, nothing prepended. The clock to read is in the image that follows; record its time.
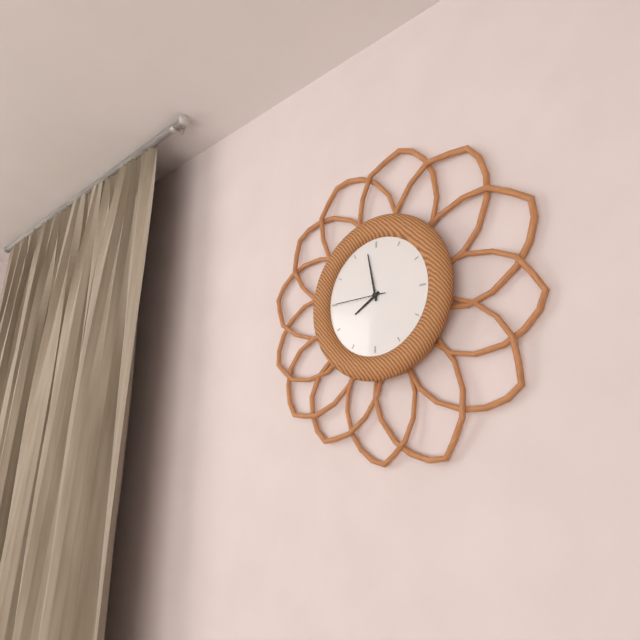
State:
7,58,45
